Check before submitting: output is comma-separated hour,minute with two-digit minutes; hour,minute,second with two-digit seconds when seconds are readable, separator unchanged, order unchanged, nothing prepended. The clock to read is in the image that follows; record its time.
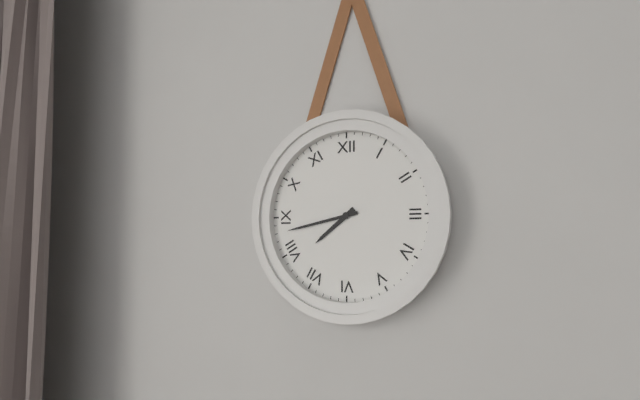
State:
7,43
